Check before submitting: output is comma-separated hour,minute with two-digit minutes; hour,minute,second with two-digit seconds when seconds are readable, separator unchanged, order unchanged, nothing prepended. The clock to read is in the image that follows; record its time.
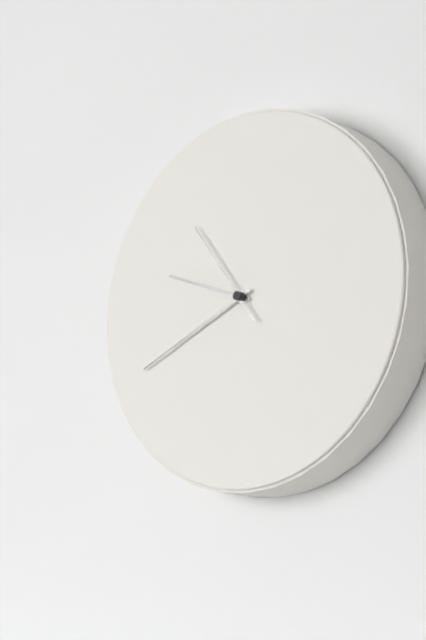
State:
9,41,54
